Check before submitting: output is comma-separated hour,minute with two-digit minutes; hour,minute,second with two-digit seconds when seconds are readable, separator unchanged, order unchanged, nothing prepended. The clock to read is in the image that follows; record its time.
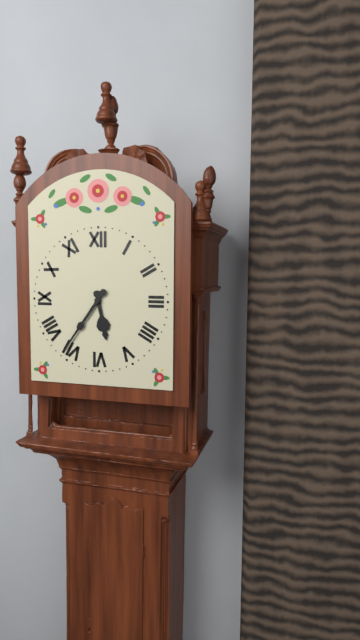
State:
5,36
